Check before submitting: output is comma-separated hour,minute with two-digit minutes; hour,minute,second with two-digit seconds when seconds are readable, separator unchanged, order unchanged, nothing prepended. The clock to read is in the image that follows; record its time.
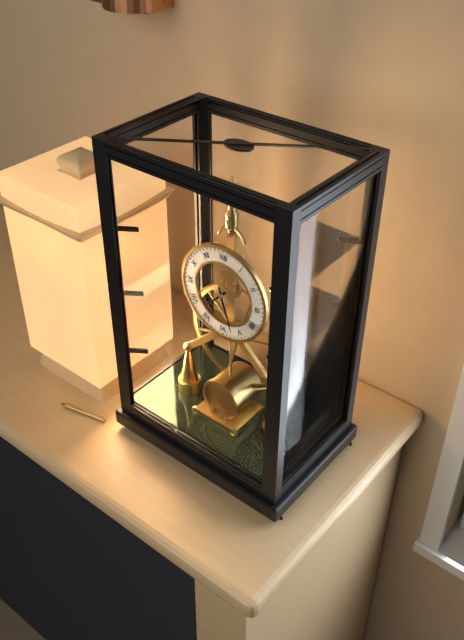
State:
7,27
